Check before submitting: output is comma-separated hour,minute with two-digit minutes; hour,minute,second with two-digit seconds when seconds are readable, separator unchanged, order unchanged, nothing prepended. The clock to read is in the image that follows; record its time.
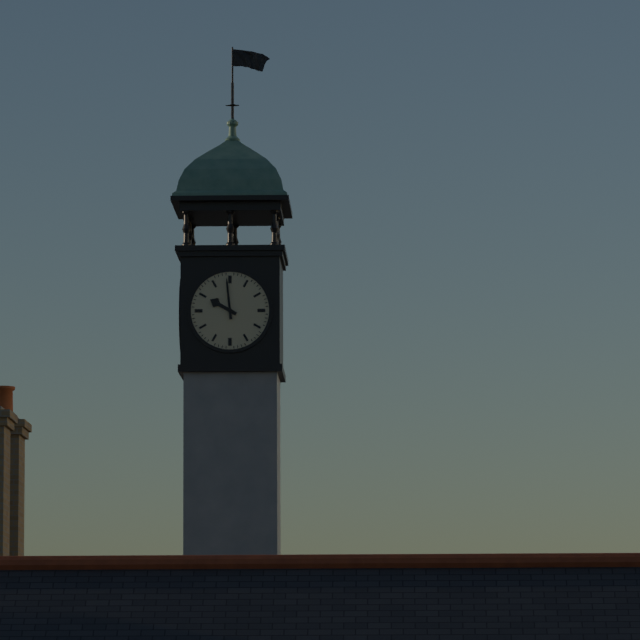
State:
9,59
